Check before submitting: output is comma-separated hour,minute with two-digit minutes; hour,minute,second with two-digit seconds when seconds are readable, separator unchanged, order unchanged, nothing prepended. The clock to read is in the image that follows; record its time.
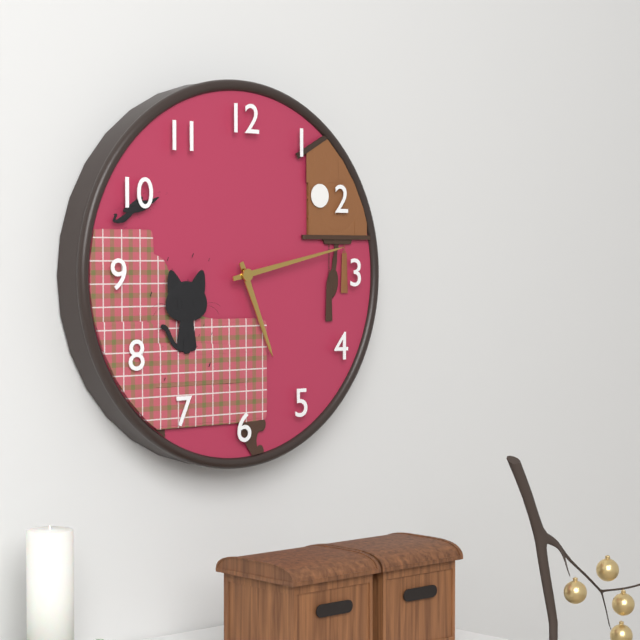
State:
5,13
